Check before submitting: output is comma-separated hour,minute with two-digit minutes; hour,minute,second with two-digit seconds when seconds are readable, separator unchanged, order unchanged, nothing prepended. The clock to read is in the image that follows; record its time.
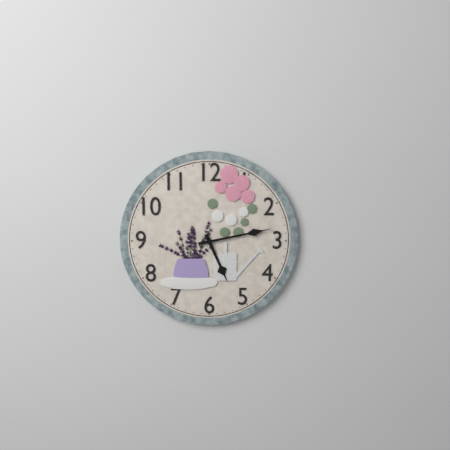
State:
5,13
